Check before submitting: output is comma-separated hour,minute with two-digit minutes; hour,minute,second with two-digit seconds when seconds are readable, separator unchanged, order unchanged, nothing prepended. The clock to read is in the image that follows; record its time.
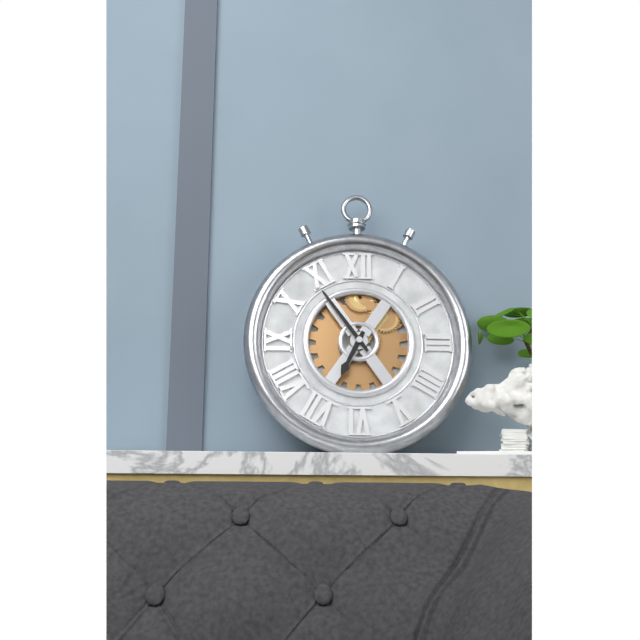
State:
6,54
